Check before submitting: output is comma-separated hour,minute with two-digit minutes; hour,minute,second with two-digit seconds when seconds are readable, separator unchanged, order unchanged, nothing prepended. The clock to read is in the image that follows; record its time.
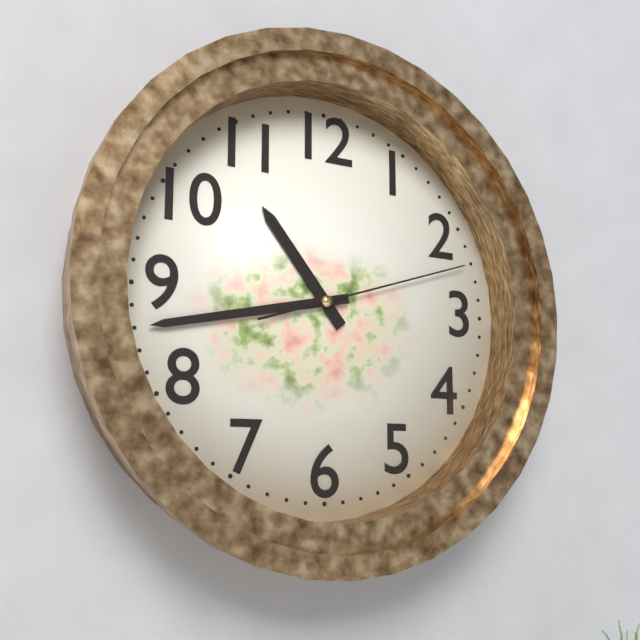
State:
10,43,12
